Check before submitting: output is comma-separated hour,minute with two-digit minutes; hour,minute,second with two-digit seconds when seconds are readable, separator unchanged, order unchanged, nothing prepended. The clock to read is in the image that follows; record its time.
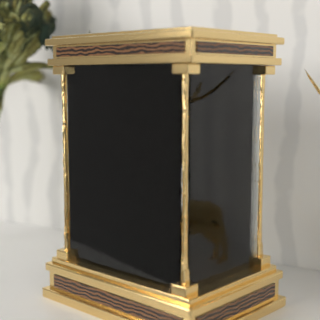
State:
9,43
